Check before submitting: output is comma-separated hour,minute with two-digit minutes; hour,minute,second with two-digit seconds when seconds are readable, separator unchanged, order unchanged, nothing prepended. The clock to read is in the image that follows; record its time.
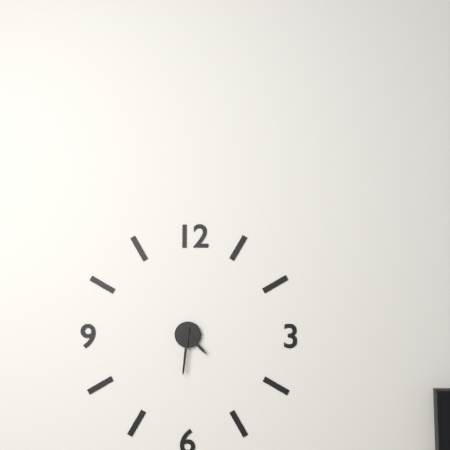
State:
4,31
